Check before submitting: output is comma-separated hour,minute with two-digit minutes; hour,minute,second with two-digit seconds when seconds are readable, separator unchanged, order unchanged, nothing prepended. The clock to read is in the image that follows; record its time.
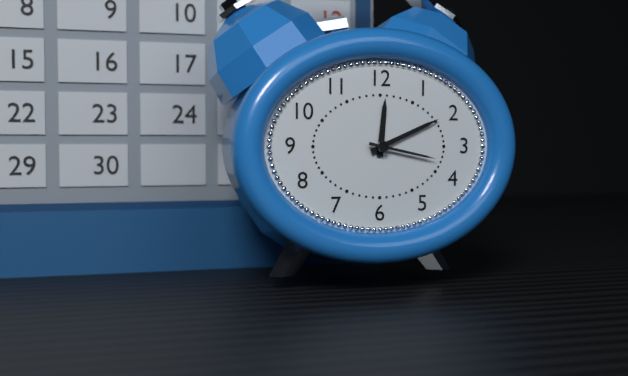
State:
12,11,17
